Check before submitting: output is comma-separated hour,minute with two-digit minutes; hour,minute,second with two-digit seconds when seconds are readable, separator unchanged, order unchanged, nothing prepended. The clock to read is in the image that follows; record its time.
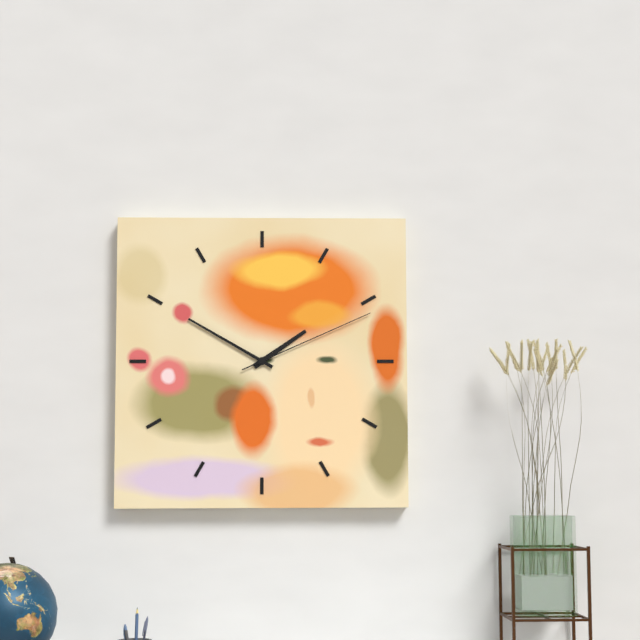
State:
1,50,11
